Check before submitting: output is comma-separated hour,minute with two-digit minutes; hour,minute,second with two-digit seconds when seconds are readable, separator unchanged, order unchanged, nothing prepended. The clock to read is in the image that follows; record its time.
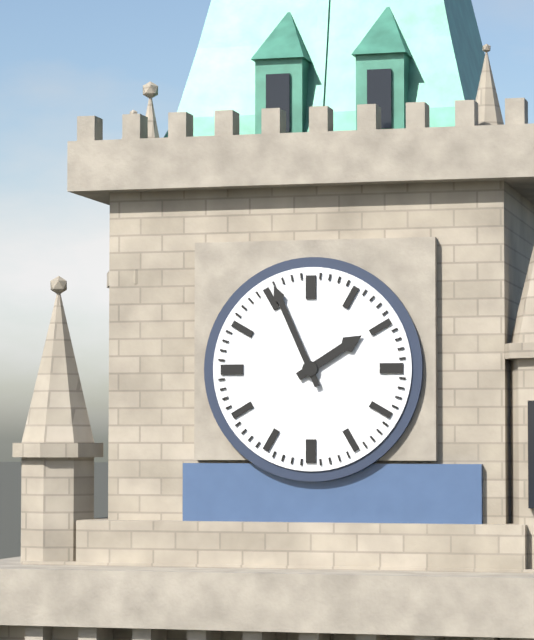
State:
1,56
